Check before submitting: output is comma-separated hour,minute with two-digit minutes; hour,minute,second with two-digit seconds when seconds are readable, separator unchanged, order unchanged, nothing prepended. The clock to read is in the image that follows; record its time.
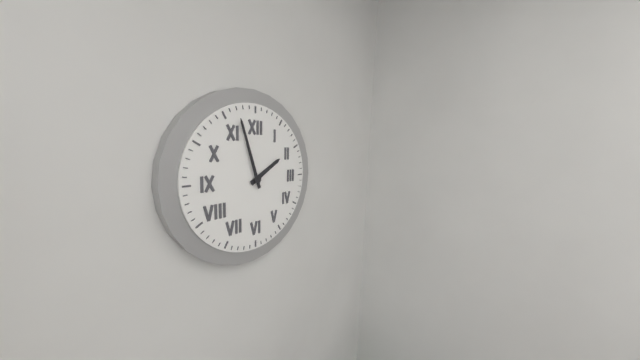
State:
1,57
